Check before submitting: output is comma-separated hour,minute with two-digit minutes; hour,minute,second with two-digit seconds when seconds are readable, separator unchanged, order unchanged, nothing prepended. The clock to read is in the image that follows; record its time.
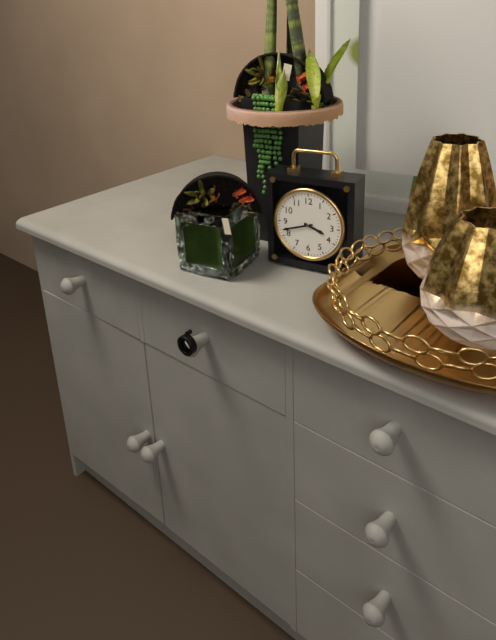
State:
3,42
